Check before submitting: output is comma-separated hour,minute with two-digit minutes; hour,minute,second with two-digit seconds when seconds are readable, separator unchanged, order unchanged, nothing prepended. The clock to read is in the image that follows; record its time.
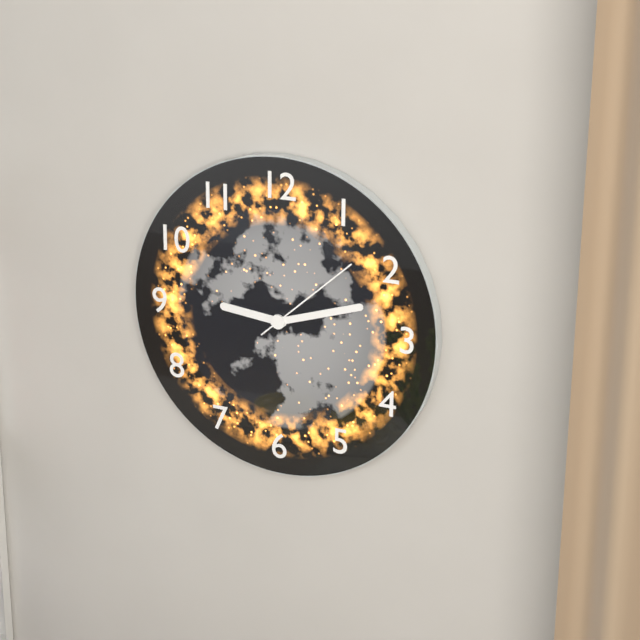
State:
9,12,08
